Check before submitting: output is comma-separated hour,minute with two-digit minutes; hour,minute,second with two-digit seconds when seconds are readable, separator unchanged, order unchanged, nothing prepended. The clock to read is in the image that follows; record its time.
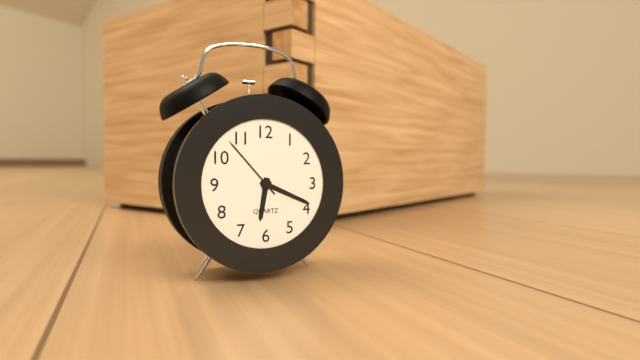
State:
6,19,53
